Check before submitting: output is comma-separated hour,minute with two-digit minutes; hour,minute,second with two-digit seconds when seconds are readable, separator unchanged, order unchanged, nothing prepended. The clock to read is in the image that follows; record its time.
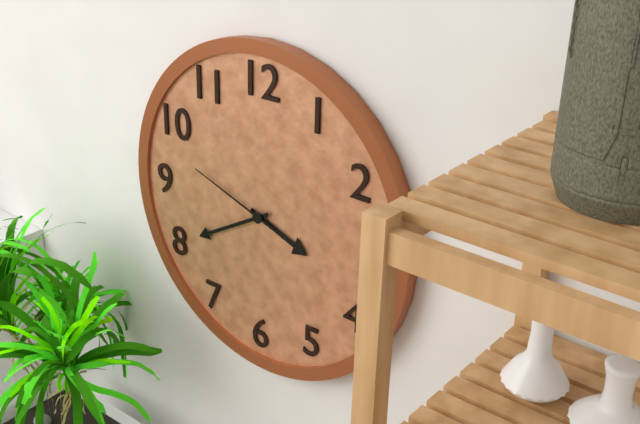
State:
3,40,48
